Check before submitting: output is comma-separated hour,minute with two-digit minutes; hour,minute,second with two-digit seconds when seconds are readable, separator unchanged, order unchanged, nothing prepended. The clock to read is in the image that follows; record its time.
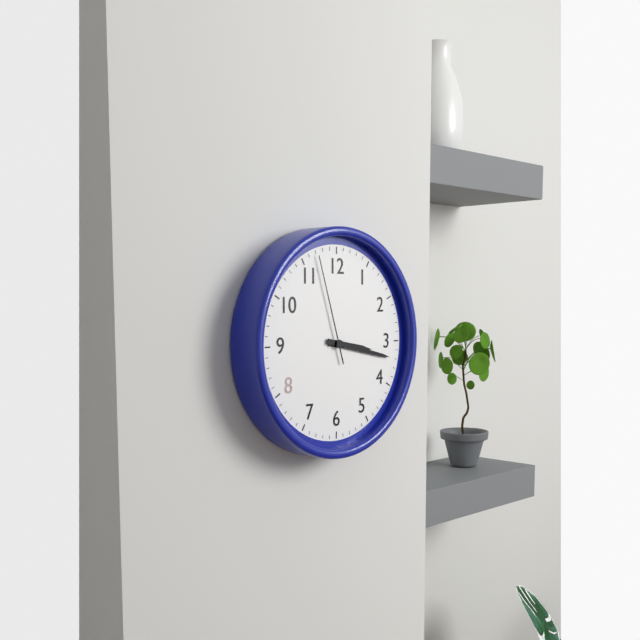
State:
3,17,57
